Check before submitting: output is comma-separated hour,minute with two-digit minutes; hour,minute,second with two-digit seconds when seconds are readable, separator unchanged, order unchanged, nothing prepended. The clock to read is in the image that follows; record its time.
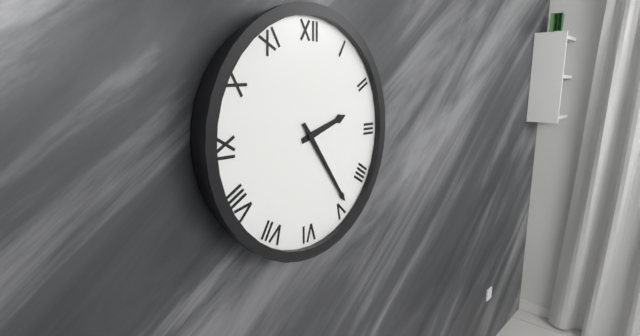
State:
2,24
